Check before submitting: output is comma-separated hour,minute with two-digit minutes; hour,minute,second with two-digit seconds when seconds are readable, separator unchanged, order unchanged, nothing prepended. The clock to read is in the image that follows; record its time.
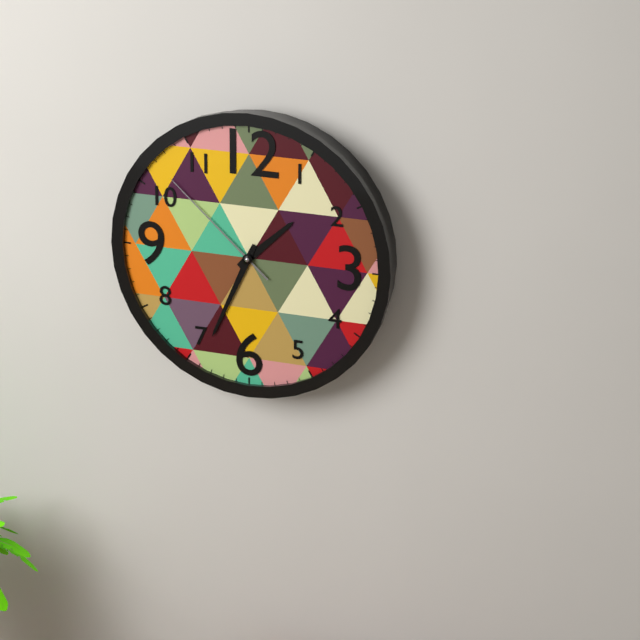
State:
1,34,52
